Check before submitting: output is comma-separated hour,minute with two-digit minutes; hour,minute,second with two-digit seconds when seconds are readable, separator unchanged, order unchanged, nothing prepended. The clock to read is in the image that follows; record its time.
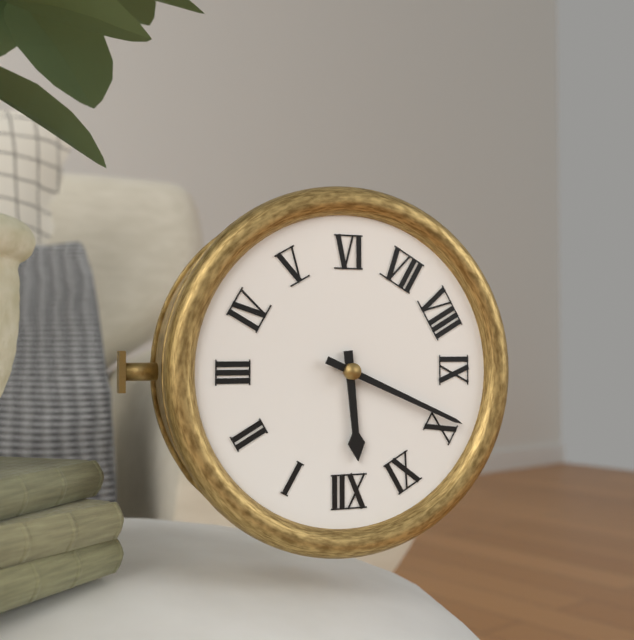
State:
11,49
